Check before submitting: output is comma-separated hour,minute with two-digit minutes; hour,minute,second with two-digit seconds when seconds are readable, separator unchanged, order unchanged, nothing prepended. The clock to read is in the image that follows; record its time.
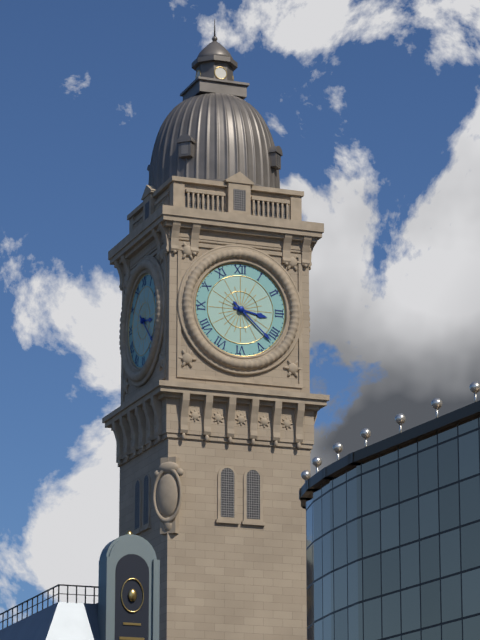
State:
3,22
